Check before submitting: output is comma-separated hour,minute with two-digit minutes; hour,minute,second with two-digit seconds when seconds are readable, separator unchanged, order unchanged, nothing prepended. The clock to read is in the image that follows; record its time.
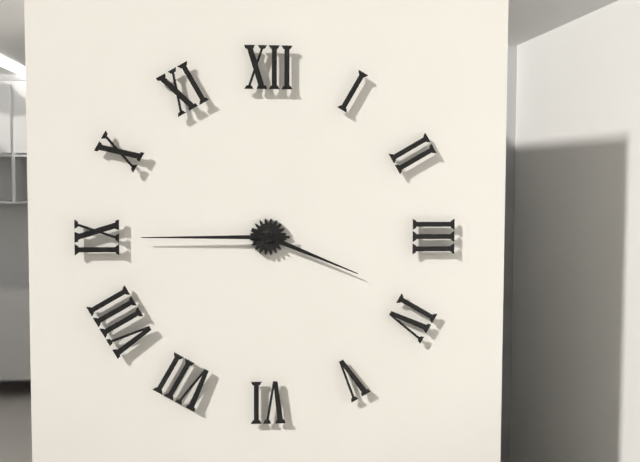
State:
3,45
